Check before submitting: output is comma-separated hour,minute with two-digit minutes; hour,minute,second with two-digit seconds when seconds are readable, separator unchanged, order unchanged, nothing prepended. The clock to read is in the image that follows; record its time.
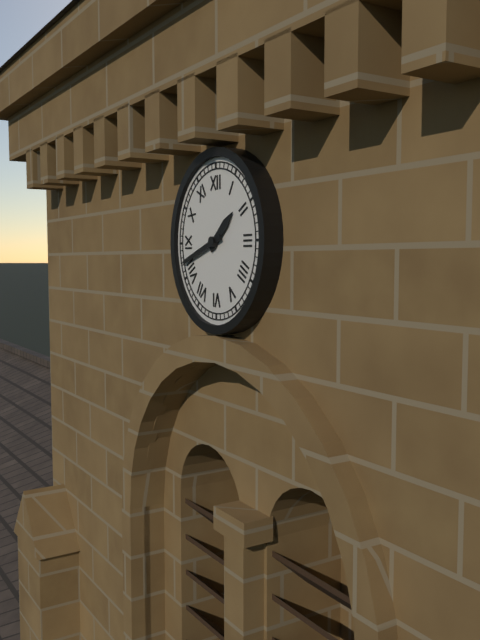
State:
1,42
